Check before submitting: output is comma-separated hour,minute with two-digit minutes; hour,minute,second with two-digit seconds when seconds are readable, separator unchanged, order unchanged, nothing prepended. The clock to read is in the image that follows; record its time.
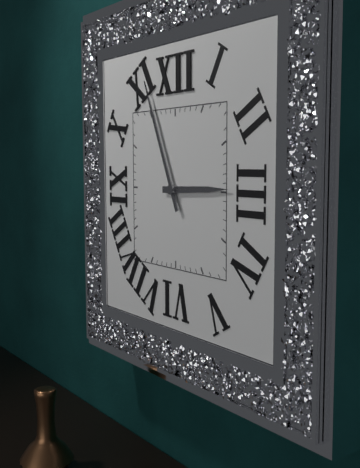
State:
2,56
